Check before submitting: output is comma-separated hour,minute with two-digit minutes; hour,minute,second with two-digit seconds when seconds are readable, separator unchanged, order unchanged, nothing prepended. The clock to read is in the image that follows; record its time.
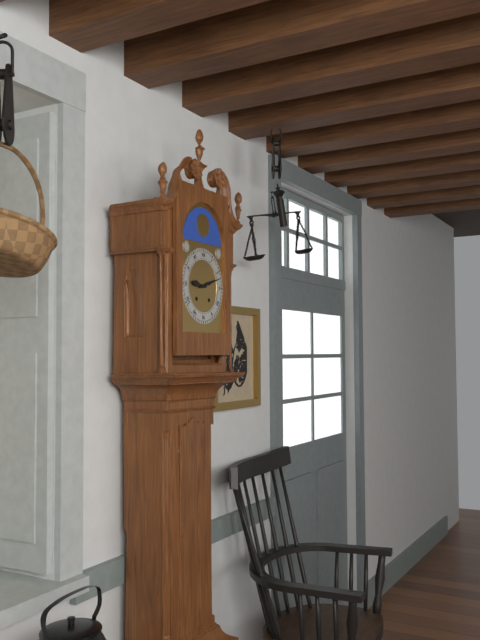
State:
9,12
